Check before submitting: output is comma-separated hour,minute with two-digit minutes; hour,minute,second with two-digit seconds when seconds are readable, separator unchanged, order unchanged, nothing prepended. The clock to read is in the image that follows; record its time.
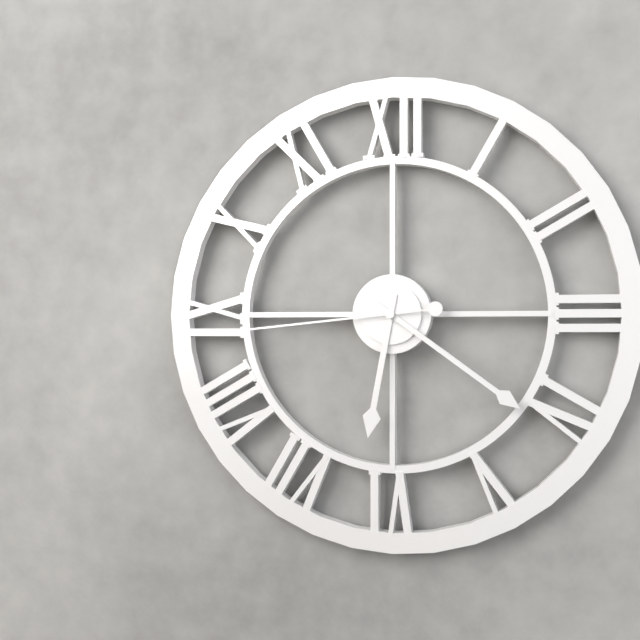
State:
6,21,44
